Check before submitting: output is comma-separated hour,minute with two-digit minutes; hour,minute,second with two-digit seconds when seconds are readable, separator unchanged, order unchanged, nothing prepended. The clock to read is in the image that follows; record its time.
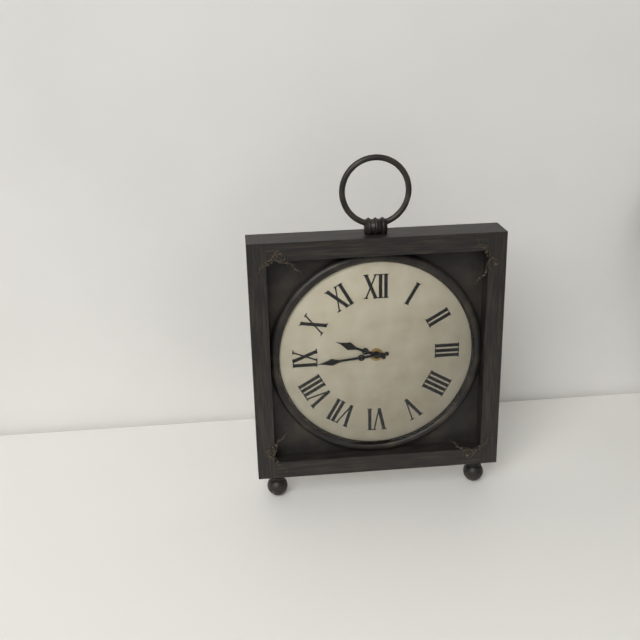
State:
9,44
